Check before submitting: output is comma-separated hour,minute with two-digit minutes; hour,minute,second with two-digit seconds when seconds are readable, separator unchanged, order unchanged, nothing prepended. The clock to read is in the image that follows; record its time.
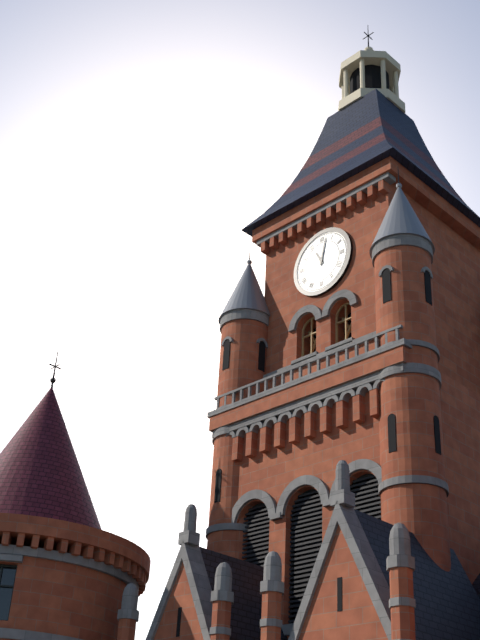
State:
11,02
